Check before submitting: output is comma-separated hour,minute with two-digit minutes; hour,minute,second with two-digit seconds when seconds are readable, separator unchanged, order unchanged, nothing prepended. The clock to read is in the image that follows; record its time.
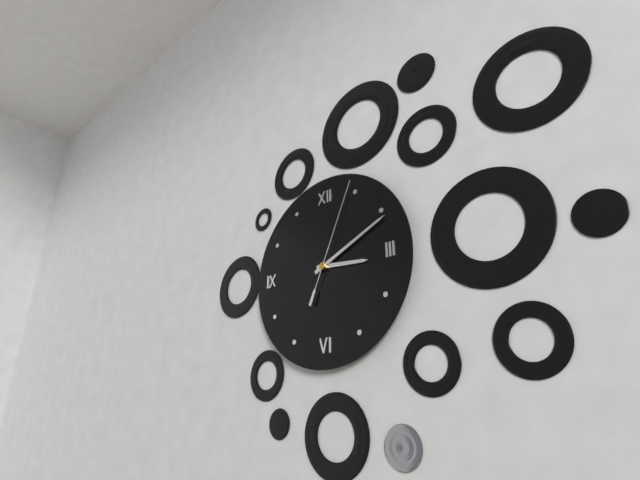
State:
3,11,04
